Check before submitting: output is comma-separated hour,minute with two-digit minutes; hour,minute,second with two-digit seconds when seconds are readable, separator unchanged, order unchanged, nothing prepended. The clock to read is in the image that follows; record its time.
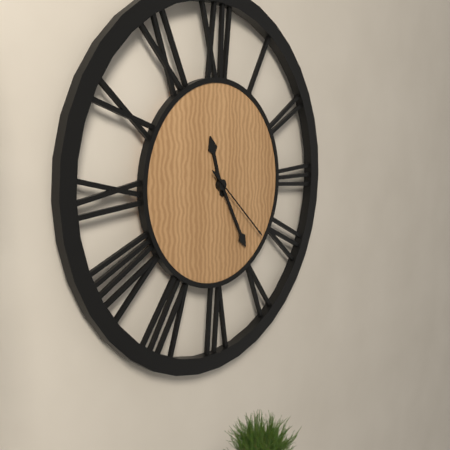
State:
11,25,22
